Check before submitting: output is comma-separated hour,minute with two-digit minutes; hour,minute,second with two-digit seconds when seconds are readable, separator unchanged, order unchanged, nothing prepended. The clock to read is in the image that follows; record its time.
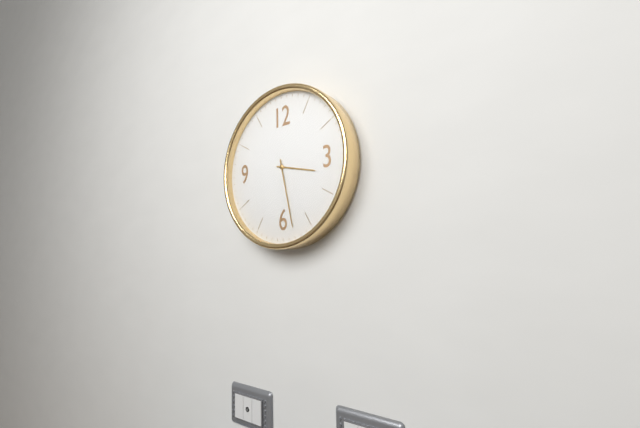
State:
3,28
